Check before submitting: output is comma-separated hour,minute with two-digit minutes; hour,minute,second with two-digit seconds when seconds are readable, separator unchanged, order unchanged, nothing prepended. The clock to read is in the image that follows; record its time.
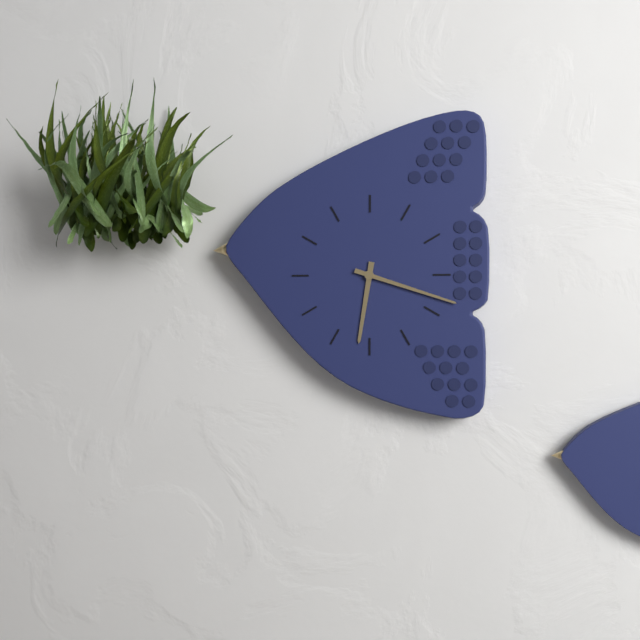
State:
6,18
